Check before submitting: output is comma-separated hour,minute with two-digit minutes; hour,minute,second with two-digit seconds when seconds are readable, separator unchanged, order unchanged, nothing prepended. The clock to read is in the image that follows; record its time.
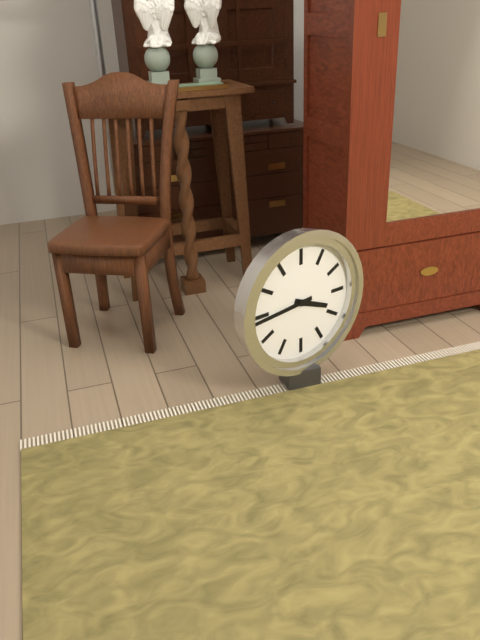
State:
3,44
